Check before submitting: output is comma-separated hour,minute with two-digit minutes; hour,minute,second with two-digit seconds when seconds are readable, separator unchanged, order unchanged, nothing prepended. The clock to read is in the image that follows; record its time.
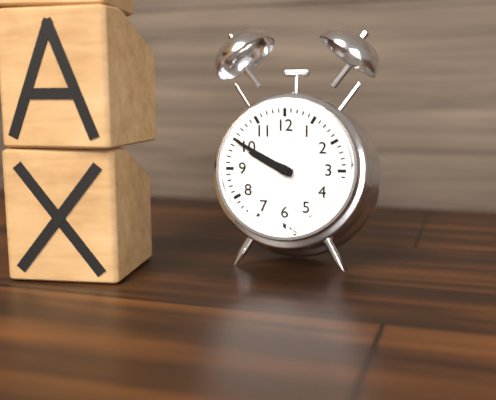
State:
9,50
